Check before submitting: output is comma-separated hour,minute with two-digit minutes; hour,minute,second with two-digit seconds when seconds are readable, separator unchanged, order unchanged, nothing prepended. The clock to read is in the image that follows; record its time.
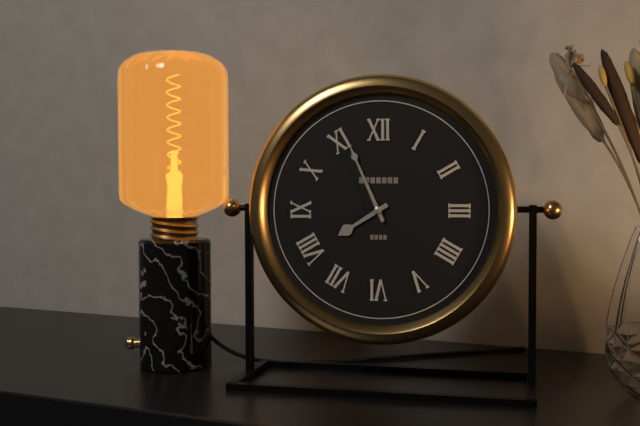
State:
7,56
